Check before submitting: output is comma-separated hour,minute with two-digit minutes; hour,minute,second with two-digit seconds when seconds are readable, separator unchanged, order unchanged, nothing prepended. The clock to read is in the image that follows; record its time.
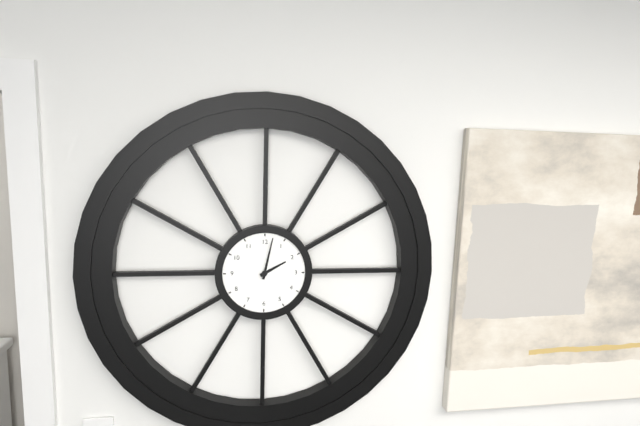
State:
2,02
